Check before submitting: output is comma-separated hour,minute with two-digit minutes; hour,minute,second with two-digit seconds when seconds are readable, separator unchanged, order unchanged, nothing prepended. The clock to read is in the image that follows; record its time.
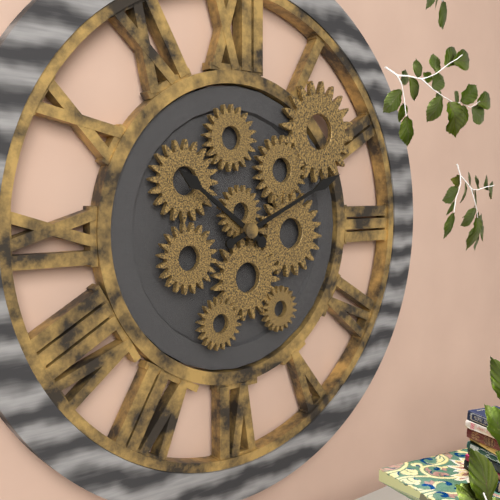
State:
10,11
